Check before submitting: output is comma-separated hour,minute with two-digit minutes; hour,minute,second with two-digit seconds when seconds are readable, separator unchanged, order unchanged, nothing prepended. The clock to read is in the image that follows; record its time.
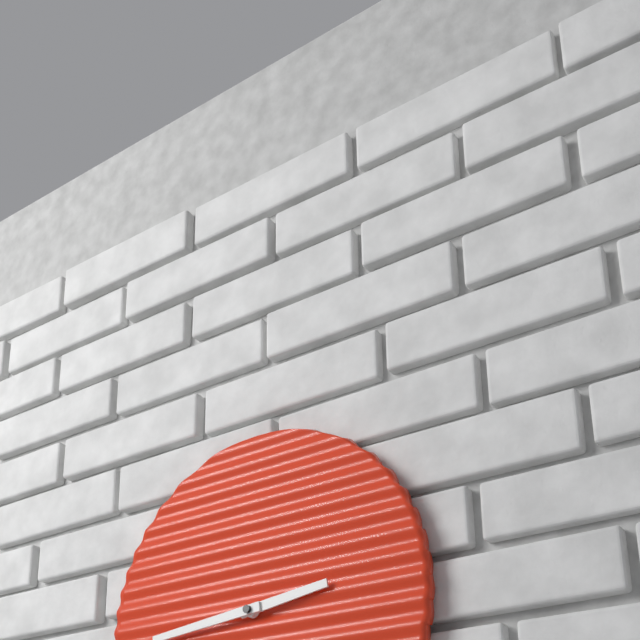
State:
2,44
